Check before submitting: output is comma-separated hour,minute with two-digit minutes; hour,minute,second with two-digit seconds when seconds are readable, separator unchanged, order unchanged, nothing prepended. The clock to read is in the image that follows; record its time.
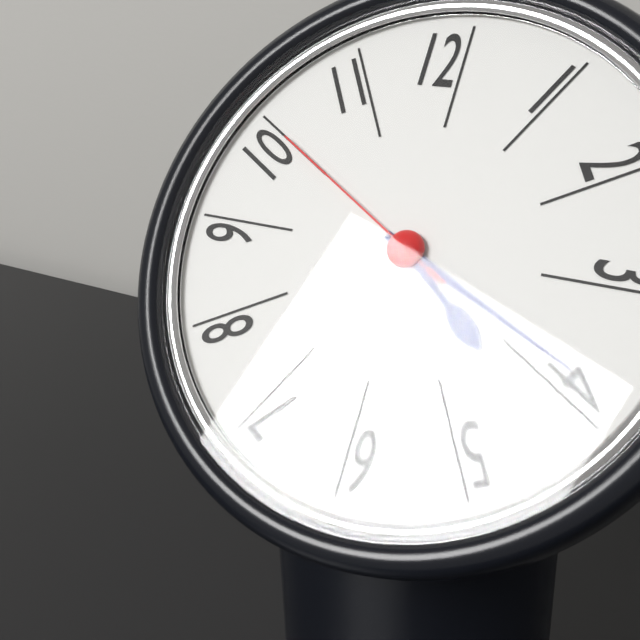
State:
4,19,50
